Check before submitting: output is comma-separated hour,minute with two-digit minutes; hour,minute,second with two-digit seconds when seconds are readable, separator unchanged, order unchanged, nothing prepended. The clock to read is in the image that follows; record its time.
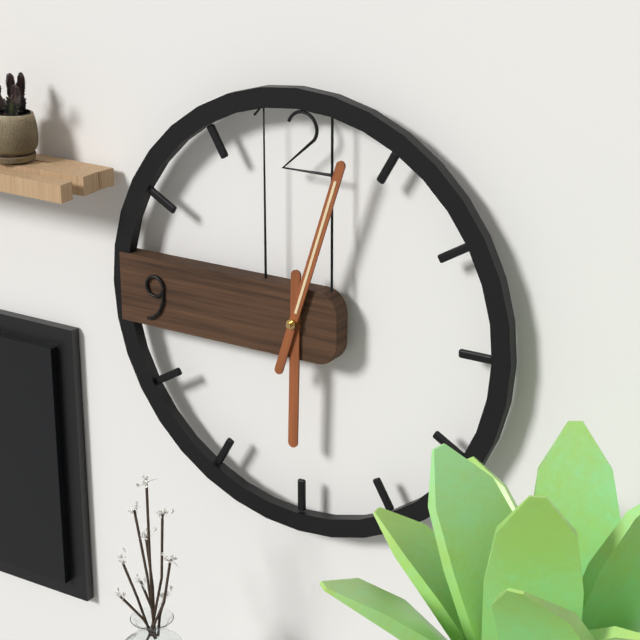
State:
6,03
